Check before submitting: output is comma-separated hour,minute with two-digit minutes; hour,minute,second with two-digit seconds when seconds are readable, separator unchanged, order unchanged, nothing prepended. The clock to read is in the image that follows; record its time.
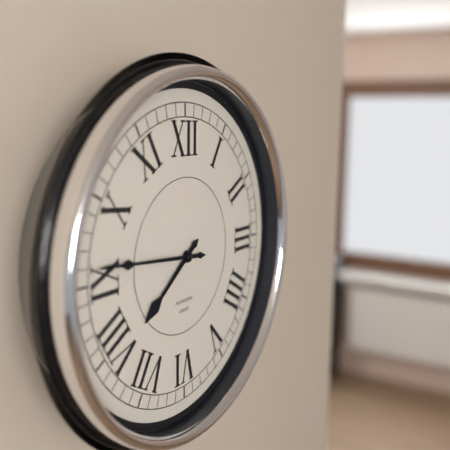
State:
7,46
